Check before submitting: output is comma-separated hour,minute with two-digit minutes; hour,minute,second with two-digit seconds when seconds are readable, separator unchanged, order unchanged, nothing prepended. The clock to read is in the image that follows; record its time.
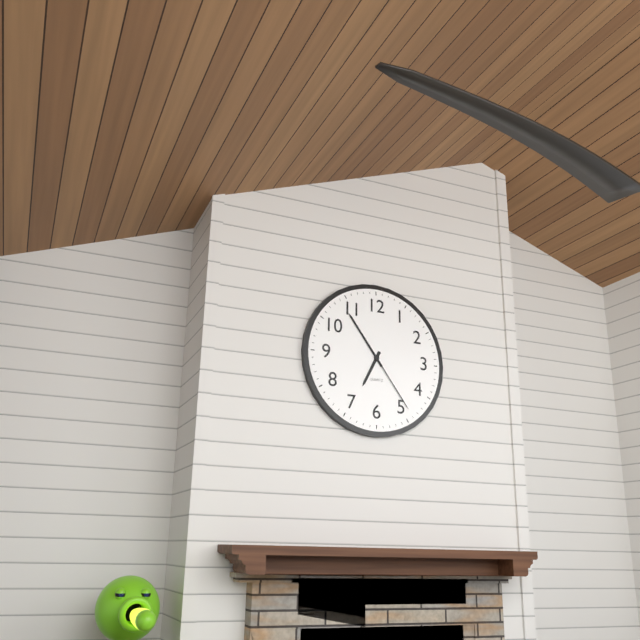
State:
6,54,24
